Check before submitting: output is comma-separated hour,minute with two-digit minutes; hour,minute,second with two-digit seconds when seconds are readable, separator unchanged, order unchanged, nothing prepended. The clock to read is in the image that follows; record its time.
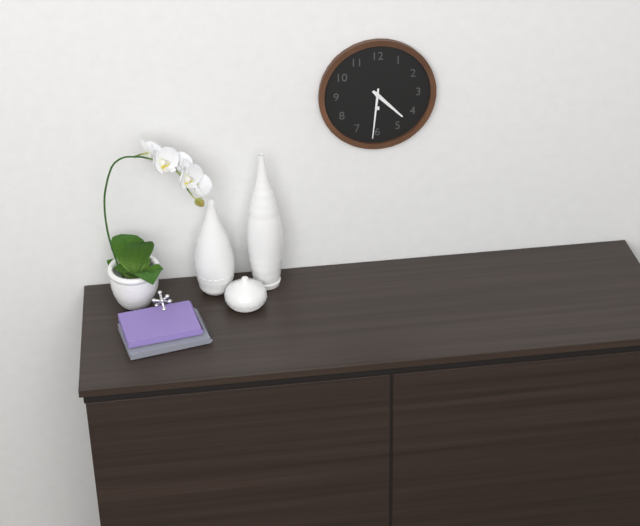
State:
4,31
